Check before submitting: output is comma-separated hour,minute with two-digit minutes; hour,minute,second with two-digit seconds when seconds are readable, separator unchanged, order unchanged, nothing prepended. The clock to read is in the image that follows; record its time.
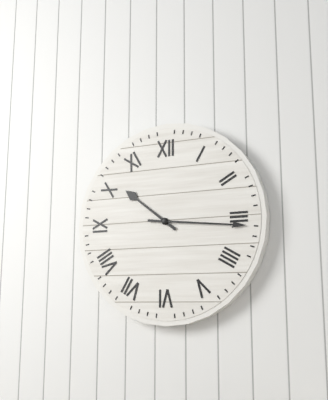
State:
10,16
